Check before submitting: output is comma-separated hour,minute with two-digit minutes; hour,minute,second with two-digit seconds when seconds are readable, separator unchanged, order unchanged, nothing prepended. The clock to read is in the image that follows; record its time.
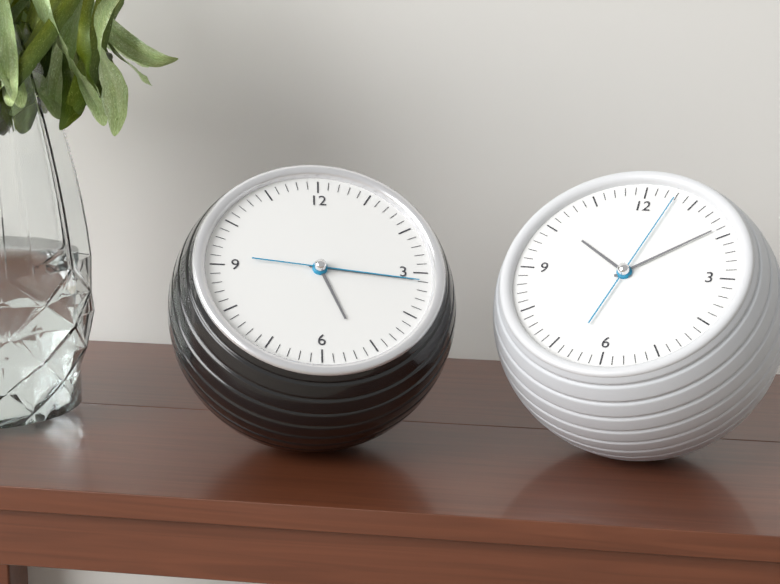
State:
5,16,16
